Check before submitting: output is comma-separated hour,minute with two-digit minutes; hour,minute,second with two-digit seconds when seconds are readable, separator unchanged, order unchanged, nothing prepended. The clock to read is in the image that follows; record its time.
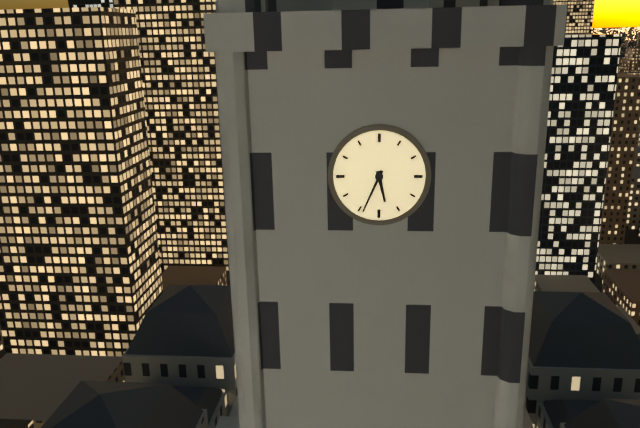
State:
5,34
